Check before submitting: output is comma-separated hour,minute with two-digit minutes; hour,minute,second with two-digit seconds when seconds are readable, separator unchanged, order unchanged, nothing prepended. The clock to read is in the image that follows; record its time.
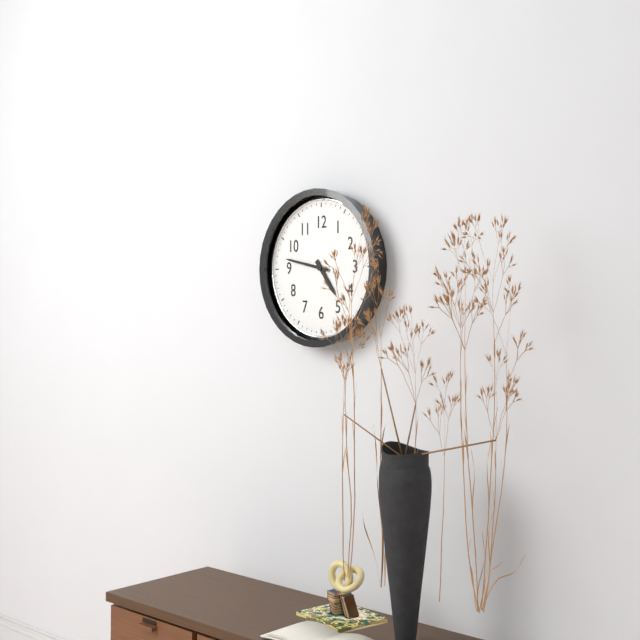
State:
4,47
